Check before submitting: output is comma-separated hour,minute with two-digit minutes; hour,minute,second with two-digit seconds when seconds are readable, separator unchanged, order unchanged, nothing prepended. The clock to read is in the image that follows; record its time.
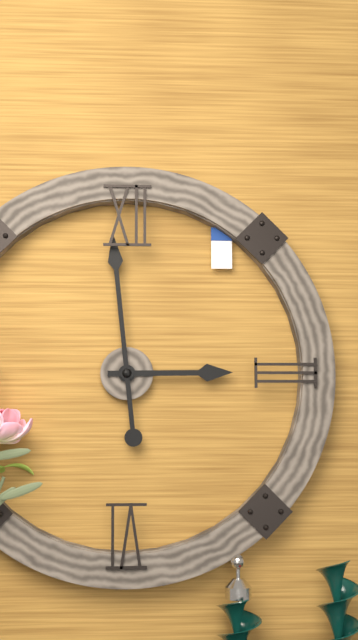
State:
2,59
